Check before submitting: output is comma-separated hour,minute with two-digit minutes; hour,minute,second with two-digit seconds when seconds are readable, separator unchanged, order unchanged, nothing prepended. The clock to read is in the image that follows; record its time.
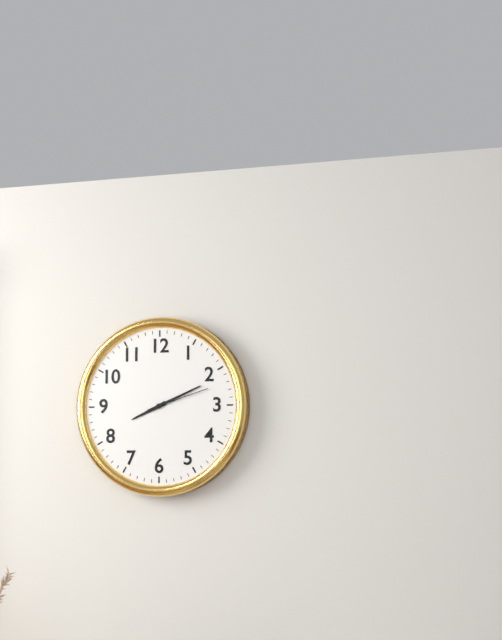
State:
8,11,12
